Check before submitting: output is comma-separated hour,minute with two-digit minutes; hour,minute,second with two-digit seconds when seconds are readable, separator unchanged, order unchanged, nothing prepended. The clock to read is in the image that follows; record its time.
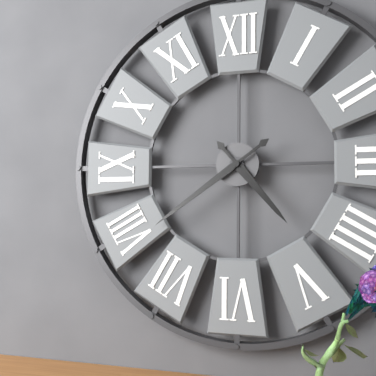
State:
4,39
